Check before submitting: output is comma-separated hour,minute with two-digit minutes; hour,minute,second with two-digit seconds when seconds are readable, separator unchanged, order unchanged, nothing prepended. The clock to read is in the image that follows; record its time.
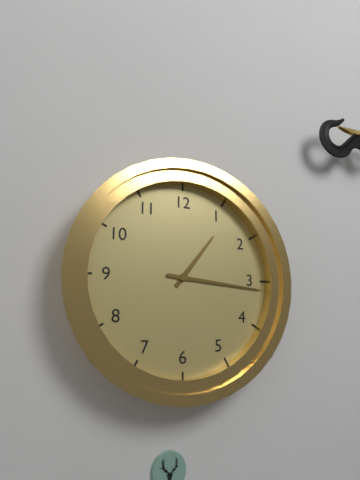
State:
1,16
